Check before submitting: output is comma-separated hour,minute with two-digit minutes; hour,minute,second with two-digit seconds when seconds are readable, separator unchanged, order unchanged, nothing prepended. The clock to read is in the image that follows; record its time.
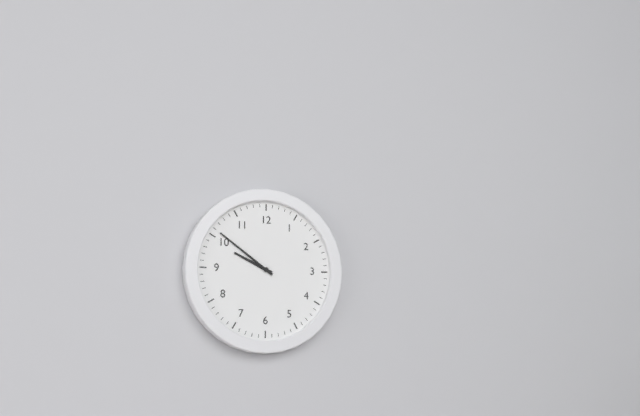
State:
9,51
